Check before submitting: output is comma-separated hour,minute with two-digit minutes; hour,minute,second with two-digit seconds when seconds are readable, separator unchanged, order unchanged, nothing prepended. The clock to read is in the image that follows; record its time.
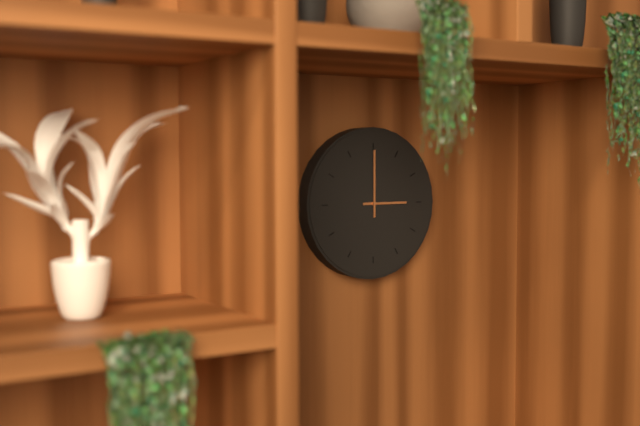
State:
3,00
